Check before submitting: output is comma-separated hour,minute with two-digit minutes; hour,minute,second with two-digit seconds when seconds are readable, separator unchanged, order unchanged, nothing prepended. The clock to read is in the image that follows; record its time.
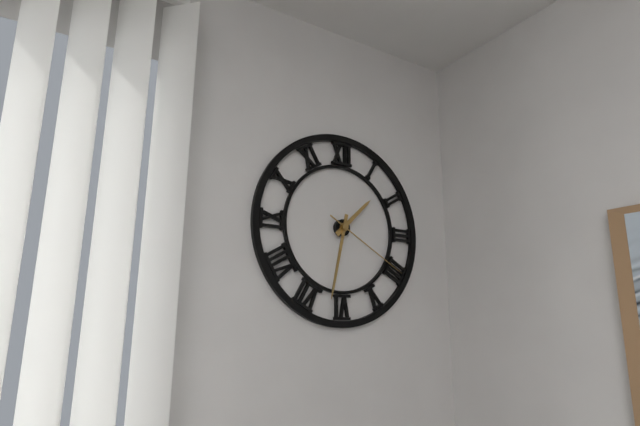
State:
1,32,20
